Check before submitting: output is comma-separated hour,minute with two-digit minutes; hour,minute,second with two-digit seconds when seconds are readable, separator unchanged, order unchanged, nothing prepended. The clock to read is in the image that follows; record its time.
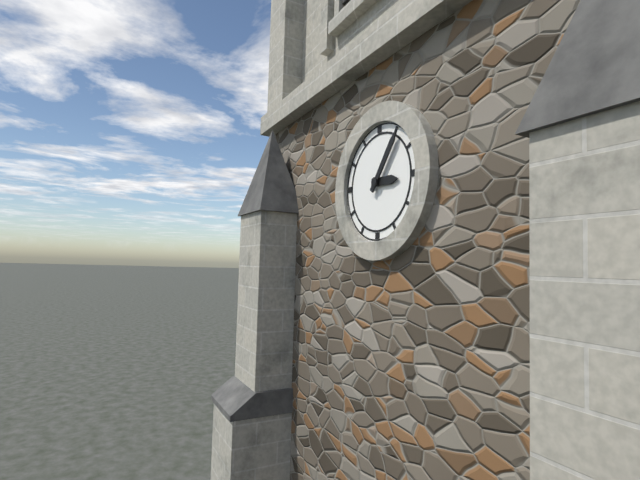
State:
3,06
